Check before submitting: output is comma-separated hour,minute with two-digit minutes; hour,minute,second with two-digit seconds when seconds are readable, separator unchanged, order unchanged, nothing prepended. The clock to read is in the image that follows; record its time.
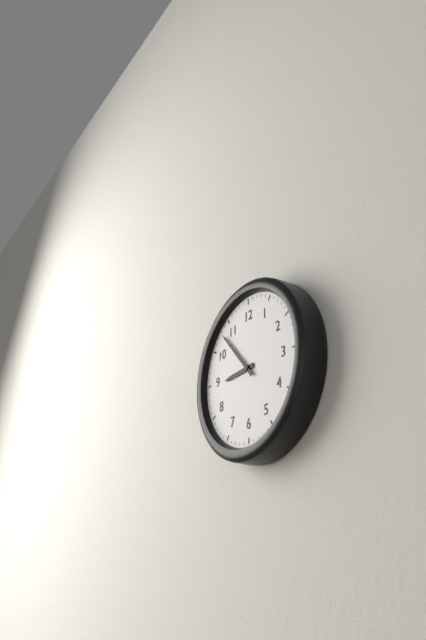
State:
8,53
